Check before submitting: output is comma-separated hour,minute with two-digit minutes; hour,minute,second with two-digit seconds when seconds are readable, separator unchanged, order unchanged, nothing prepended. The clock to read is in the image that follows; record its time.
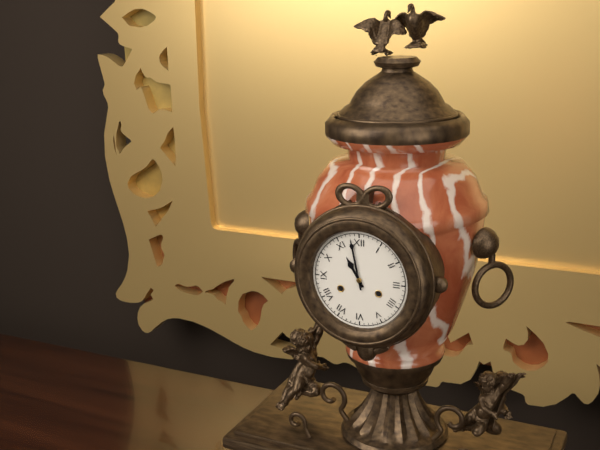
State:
10,58
